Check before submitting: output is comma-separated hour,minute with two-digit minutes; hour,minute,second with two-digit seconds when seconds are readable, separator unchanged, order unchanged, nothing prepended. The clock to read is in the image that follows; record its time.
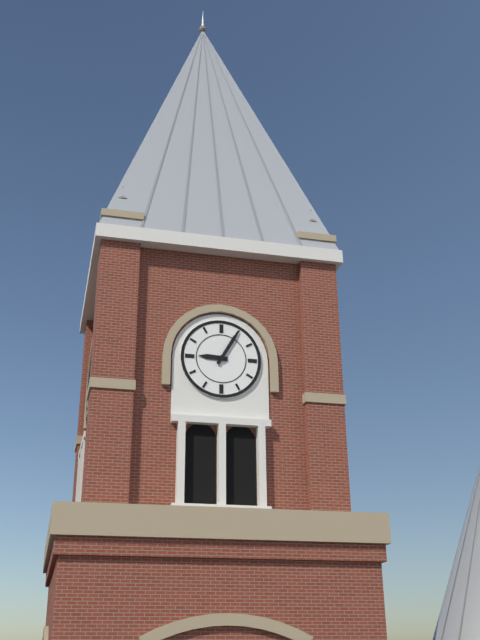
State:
9,05
